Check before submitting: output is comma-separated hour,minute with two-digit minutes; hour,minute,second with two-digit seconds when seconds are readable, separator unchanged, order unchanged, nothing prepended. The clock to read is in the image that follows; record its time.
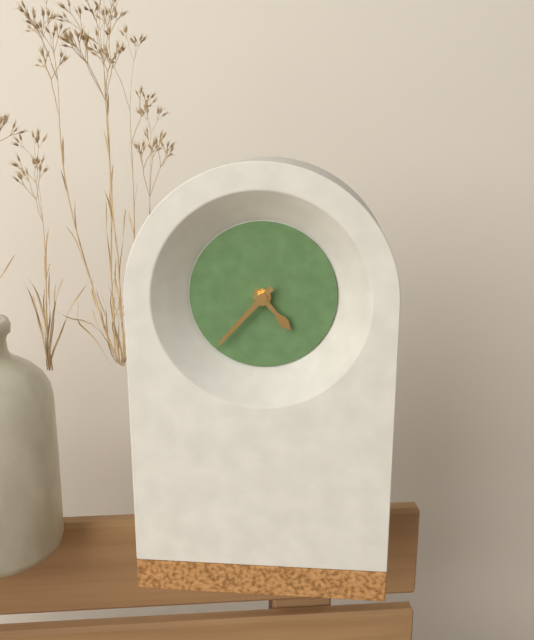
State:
4,37
